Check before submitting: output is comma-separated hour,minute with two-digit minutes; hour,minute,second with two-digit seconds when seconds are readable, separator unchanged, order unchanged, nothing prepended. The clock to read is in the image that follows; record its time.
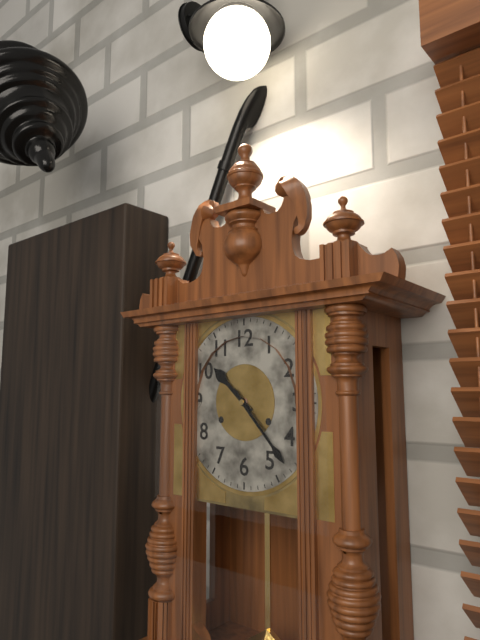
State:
10,23
